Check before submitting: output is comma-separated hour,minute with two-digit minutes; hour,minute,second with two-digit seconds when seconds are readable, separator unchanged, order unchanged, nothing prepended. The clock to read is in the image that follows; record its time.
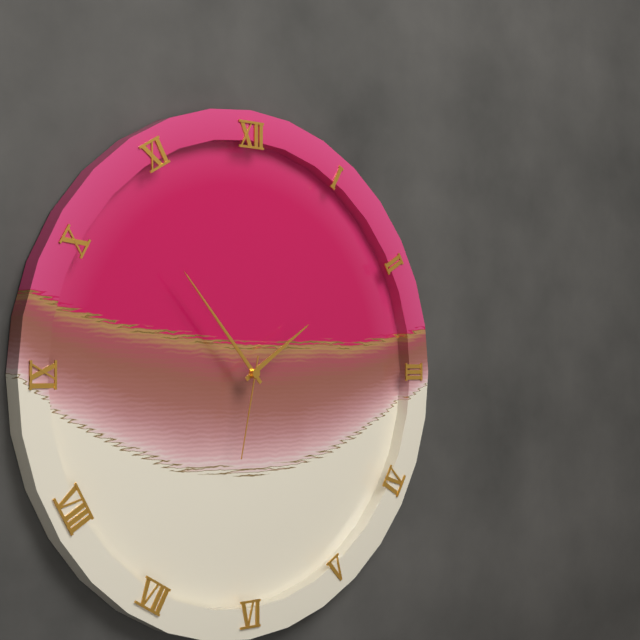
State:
1,53,32
